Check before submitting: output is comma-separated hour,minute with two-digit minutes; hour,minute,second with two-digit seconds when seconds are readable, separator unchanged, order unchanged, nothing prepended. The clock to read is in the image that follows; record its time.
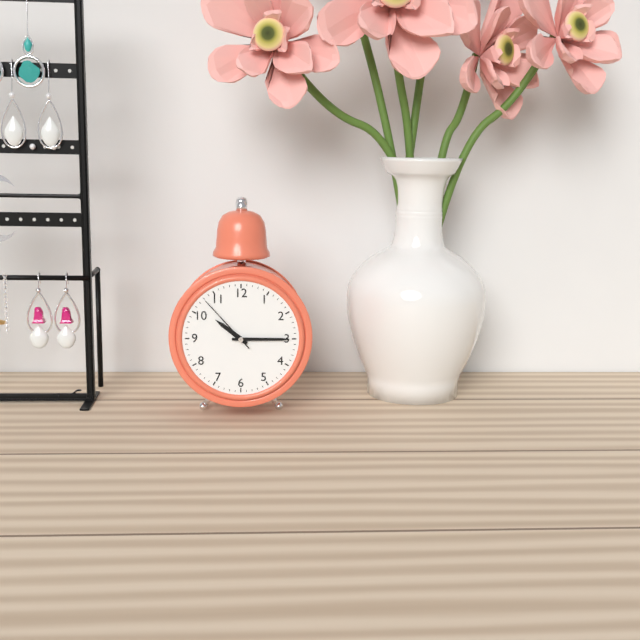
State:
10,15,53
